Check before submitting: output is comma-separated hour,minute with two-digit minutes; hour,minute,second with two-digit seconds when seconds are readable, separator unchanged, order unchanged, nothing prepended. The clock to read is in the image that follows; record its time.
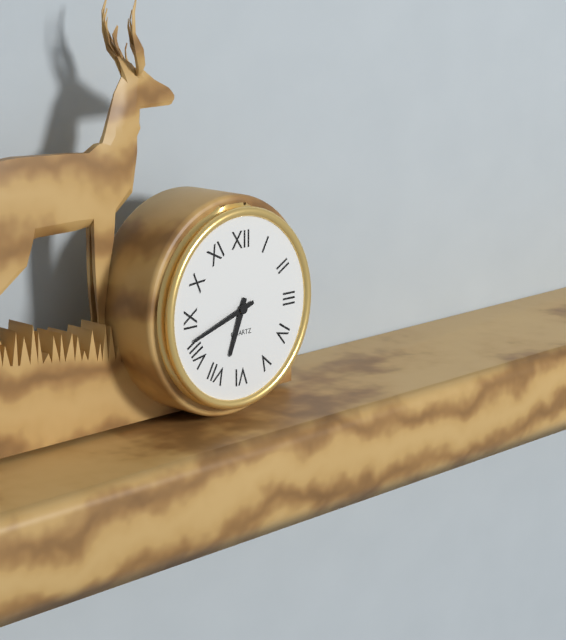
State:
6,42
